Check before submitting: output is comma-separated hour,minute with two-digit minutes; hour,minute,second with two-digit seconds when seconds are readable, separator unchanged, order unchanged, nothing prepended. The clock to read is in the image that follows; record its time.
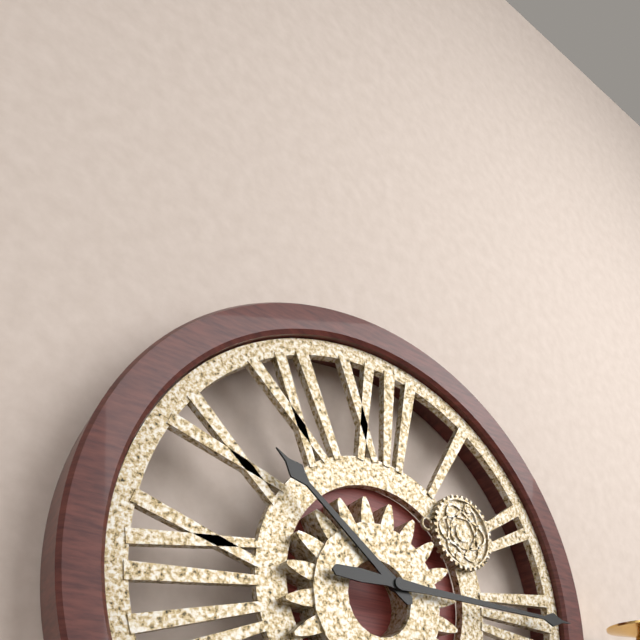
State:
10,15
